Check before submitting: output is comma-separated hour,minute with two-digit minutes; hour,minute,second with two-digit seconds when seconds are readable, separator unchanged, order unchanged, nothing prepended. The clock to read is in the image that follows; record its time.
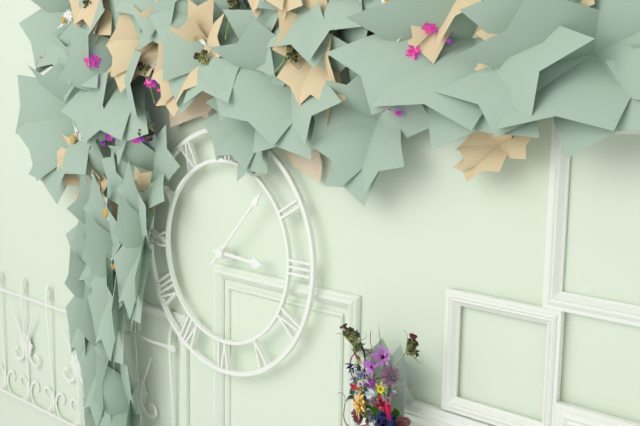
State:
3,07
